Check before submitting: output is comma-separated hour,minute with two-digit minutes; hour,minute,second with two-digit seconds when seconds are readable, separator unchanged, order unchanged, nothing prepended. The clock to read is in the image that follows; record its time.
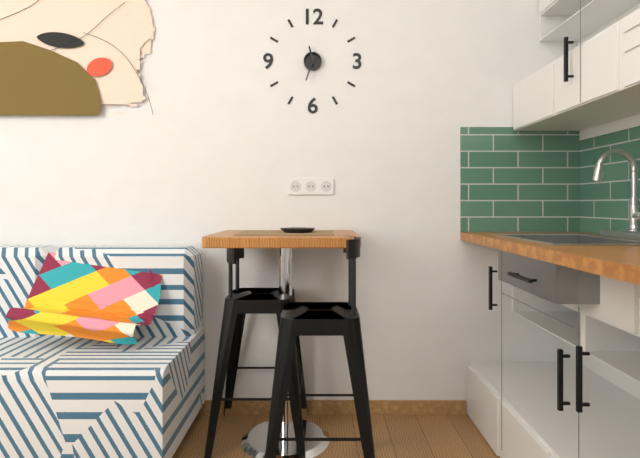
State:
11,33
